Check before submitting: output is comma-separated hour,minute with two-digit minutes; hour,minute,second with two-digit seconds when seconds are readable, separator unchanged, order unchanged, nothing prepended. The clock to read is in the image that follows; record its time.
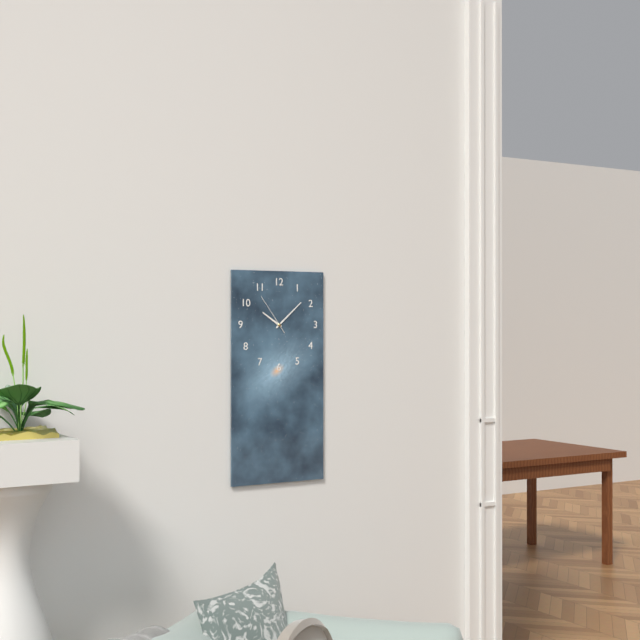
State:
10,08
